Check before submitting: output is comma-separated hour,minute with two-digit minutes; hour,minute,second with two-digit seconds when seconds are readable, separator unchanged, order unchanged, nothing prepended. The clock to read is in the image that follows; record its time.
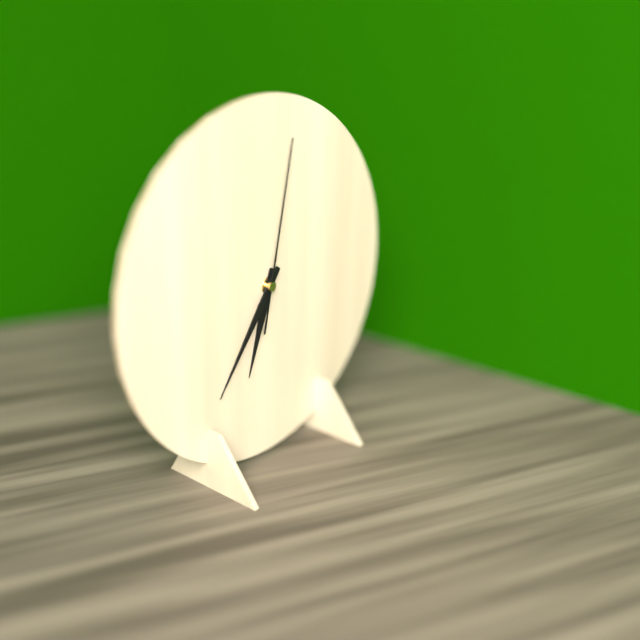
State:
6,36,02
